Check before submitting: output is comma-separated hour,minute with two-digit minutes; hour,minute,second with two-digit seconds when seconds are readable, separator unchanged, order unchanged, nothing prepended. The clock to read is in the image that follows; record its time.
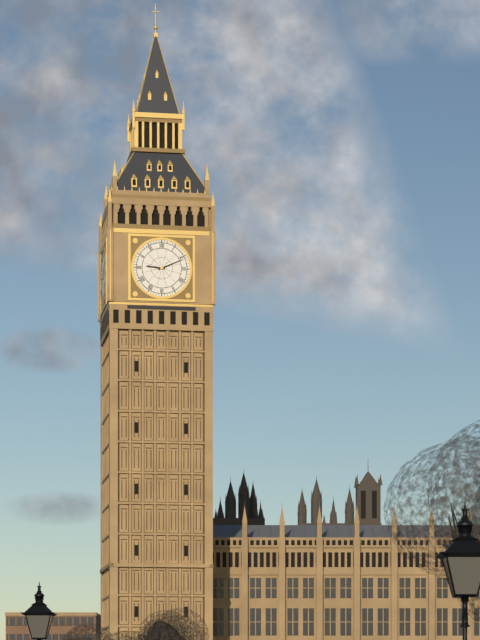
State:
9,11
